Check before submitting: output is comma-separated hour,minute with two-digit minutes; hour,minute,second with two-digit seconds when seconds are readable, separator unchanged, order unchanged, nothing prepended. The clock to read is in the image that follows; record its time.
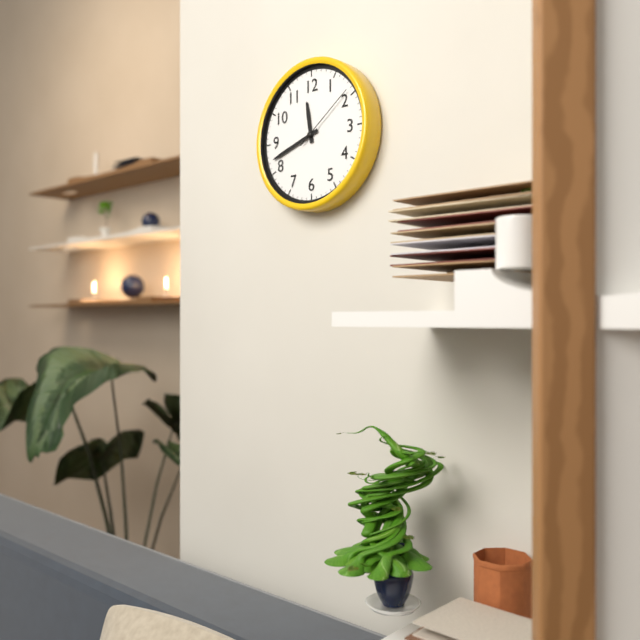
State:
11,42,09
